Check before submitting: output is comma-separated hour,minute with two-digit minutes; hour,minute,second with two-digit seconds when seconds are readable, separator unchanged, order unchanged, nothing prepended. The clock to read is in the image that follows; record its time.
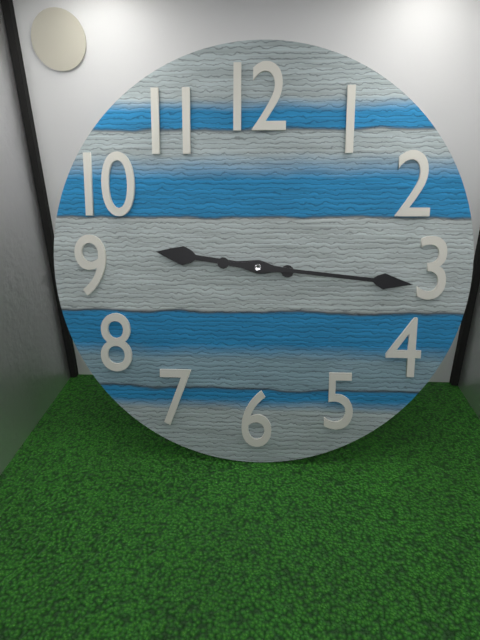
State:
9,16
